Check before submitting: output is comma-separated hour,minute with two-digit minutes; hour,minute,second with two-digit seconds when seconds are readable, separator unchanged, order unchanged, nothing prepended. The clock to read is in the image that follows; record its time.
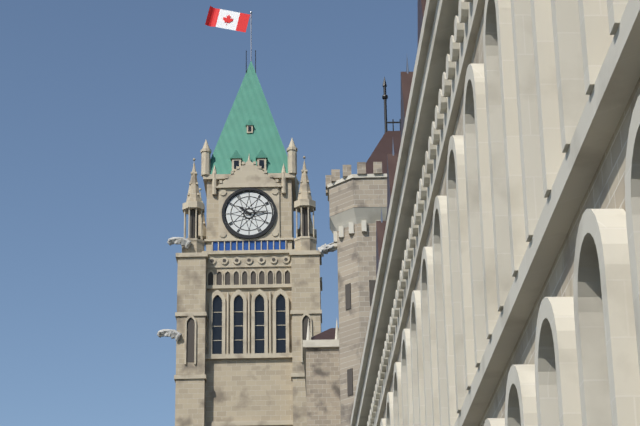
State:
10,14
